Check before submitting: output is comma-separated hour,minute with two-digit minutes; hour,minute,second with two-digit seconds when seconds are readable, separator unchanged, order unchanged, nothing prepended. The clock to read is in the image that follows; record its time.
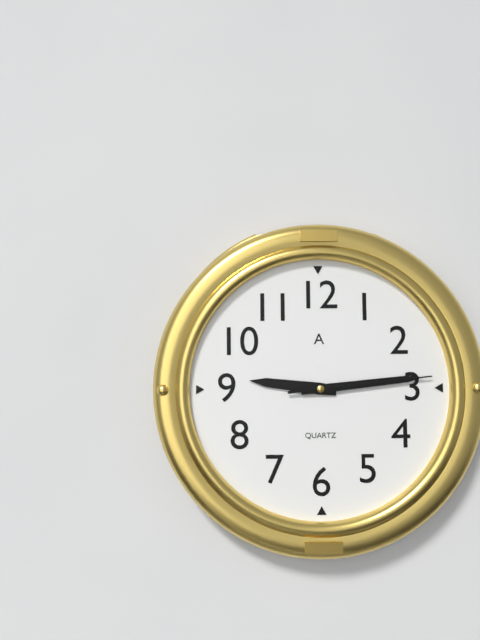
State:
9,14,14
